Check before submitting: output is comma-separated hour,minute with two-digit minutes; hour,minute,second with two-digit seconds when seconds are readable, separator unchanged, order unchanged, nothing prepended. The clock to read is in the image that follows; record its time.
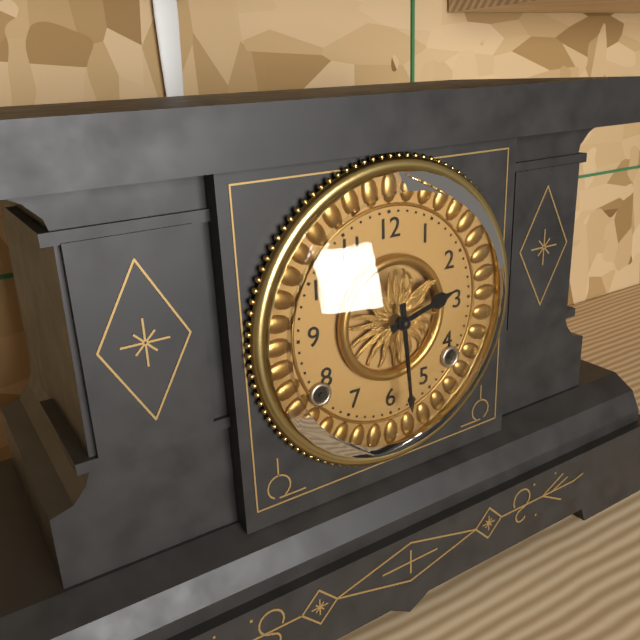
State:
2,29
